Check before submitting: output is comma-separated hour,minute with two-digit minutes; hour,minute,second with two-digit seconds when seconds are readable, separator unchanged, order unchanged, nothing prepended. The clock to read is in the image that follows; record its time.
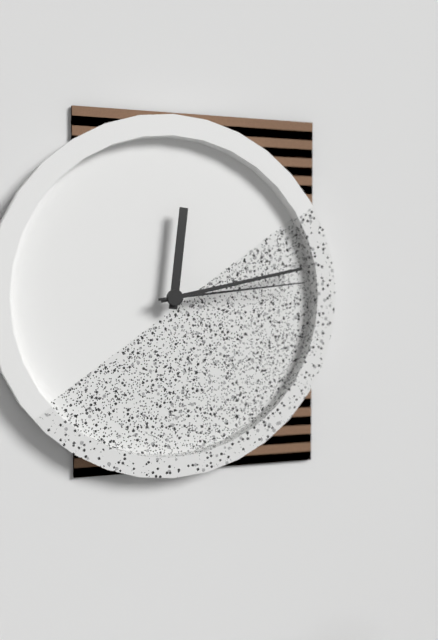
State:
12,13,14
